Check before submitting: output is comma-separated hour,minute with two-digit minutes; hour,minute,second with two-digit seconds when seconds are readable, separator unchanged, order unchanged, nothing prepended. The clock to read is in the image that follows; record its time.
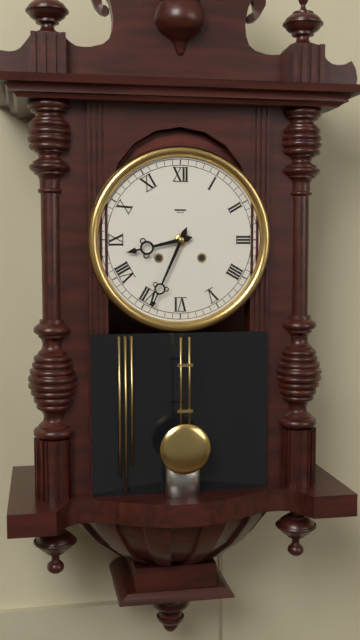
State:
8,34
